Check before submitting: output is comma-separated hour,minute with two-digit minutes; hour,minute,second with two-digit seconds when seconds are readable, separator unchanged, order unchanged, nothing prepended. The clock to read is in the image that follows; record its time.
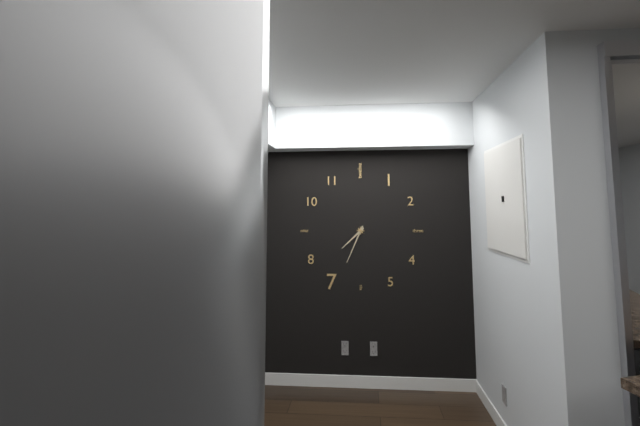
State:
7,34
